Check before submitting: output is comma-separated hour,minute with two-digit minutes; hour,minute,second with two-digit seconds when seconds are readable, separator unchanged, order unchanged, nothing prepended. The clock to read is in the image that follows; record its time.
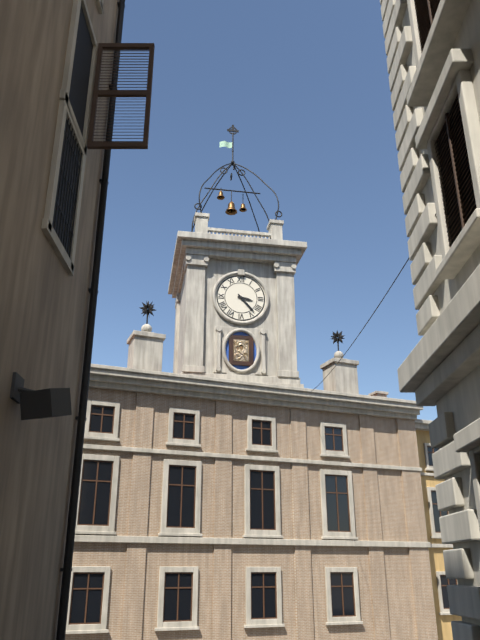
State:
3,23
